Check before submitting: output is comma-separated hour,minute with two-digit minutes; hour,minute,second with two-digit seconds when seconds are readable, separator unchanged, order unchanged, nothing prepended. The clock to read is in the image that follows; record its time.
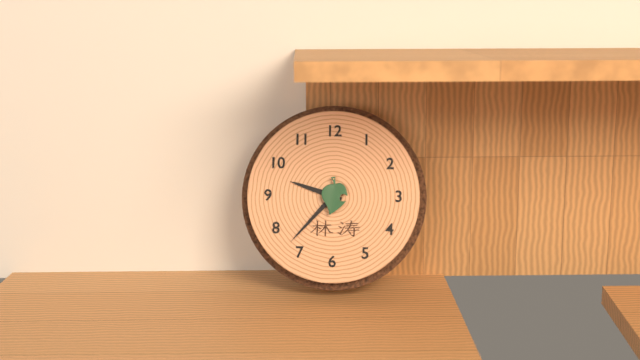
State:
9,37
